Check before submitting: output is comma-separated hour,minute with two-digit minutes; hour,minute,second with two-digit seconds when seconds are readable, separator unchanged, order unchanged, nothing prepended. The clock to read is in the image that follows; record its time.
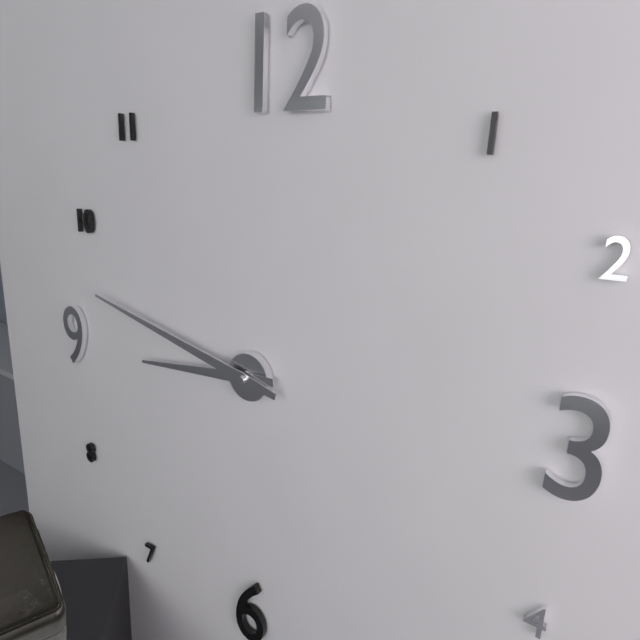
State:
8,47
